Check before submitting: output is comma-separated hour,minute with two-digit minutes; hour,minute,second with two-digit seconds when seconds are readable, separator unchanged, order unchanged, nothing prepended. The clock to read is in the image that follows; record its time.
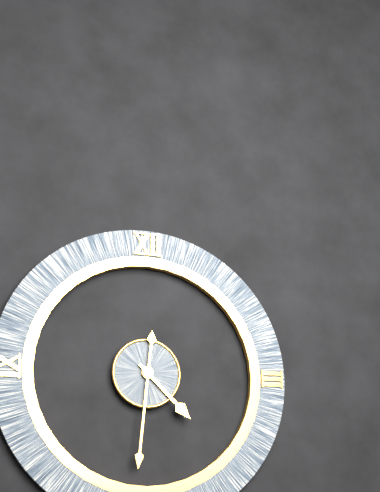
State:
4,31
